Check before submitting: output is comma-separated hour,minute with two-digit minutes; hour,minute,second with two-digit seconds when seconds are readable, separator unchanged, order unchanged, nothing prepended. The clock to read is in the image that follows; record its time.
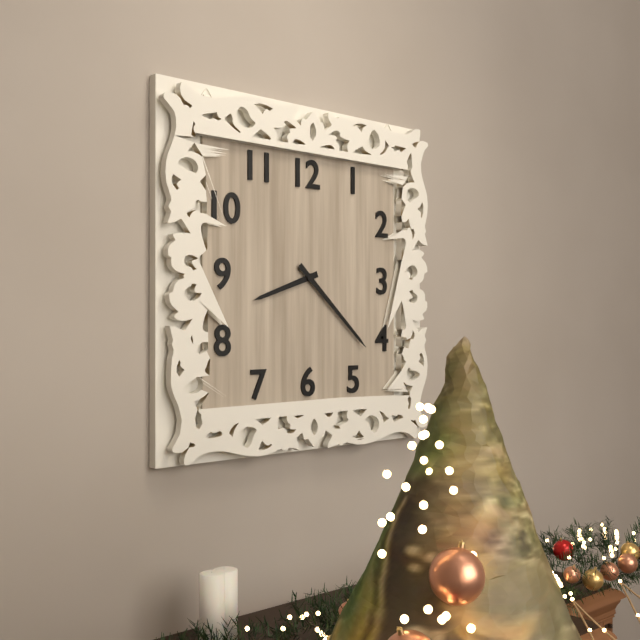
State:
8,22
